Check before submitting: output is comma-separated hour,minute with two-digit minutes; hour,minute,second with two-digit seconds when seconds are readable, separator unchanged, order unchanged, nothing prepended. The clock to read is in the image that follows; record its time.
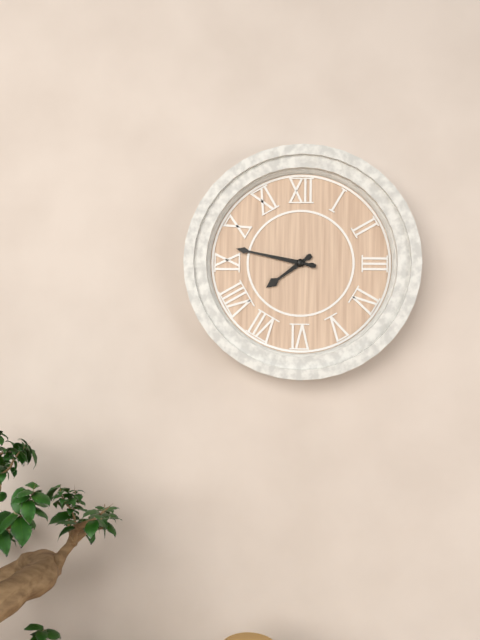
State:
7,47
